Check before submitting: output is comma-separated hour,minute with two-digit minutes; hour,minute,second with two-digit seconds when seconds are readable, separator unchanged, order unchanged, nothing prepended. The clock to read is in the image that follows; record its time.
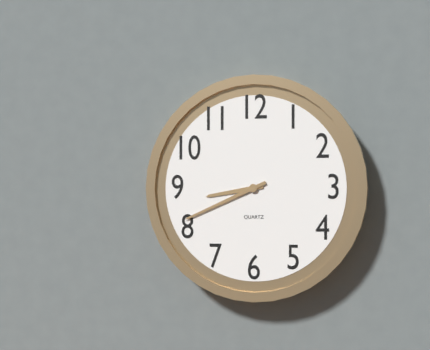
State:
8,41
